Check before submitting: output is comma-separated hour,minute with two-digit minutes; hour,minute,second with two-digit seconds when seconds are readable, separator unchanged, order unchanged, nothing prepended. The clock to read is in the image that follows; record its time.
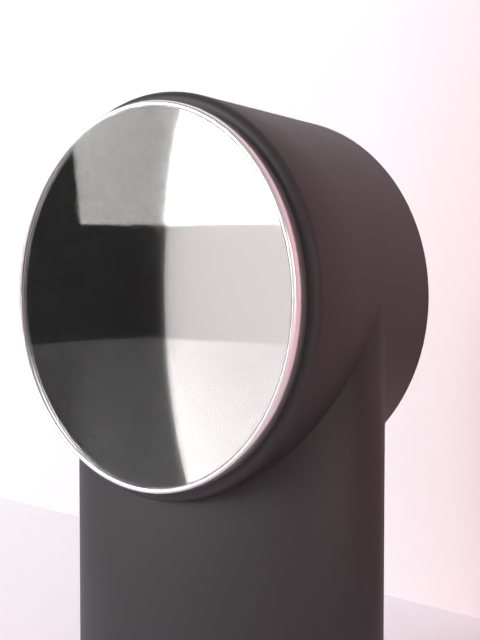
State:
4,50,53
